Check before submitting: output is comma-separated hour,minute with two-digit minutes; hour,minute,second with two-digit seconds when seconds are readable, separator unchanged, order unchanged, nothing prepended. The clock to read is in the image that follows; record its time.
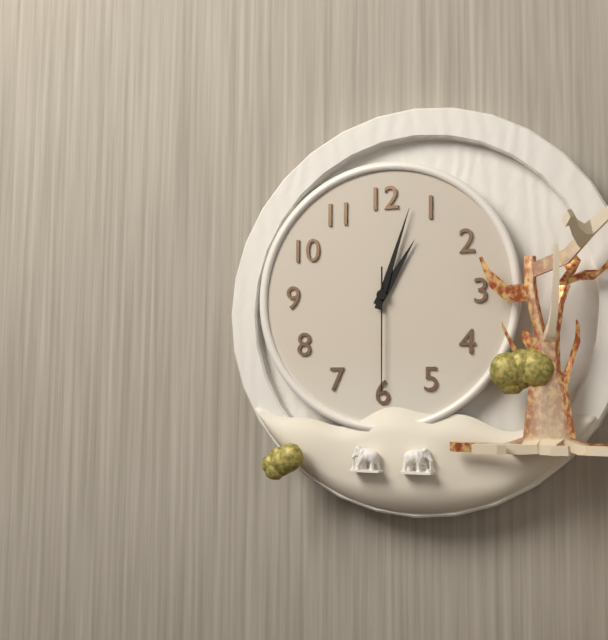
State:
1,03,30
